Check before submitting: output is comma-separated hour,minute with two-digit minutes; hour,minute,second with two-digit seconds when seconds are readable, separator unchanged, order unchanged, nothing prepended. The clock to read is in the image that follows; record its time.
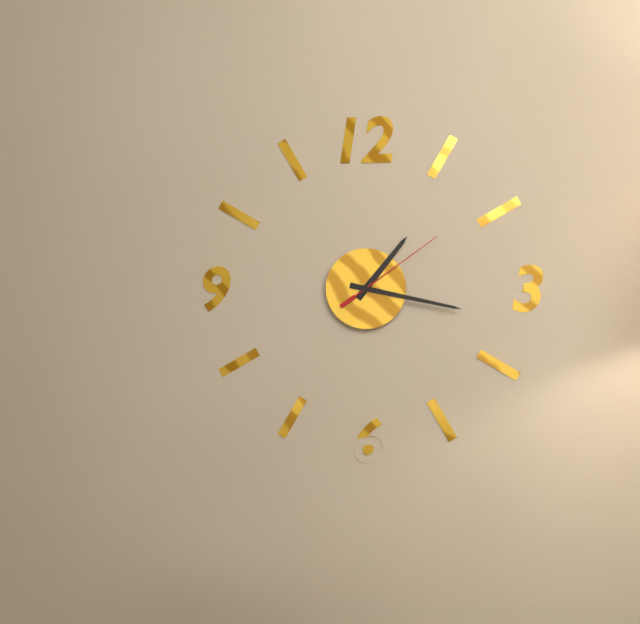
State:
1,17,09
